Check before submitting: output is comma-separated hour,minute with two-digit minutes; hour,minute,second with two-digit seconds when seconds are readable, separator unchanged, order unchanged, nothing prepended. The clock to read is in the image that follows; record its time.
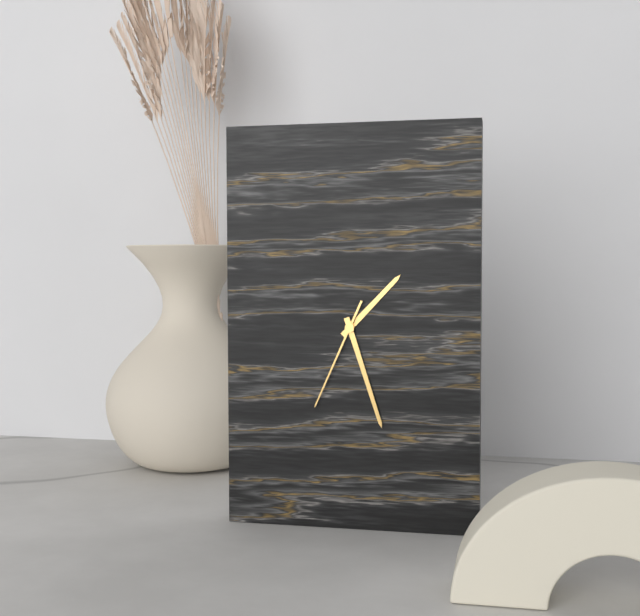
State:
1,27,34
